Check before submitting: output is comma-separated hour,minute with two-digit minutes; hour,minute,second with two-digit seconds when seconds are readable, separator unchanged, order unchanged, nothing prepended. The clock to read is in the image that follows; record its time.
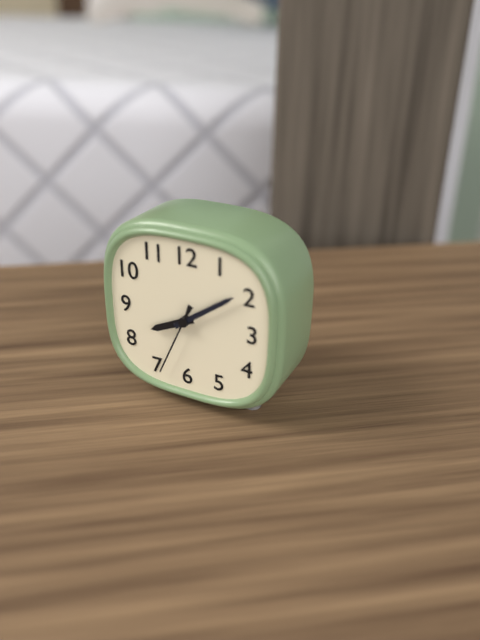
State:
8,09,34
